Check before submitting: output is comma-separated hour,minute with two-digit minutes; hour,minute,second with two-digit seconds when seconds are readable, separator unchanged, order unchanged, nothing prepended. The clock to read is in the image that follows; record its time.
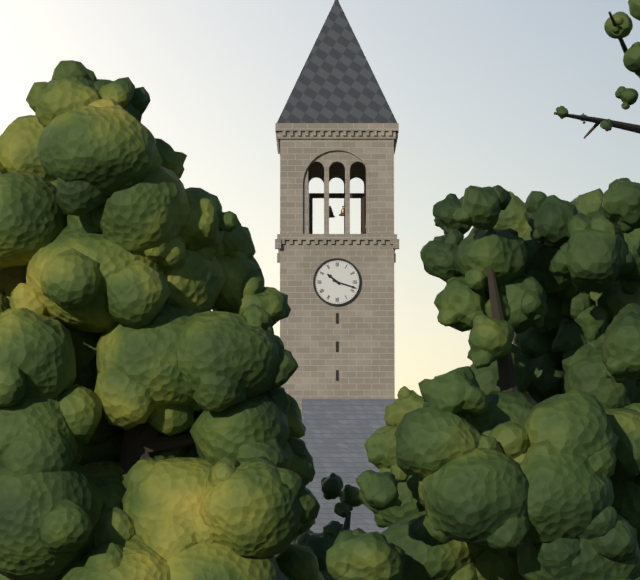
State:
10,18
